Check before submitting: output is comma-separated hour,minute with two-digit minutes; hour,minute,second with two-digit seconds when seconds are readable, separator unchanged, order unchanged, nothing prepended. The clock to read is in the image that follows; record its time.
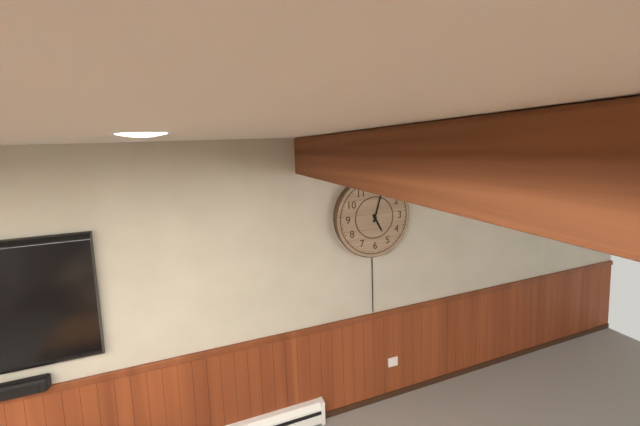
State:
5,03
